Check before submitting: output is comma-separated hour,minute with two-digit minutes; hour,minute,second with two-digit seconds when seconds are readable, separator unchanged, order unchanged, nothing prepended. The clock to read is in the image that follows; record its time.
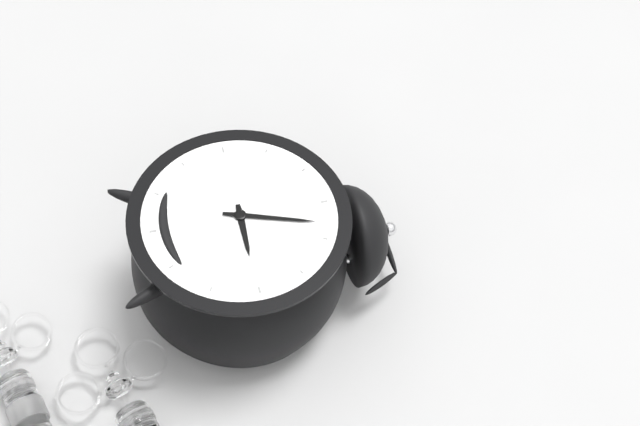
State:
3,03
